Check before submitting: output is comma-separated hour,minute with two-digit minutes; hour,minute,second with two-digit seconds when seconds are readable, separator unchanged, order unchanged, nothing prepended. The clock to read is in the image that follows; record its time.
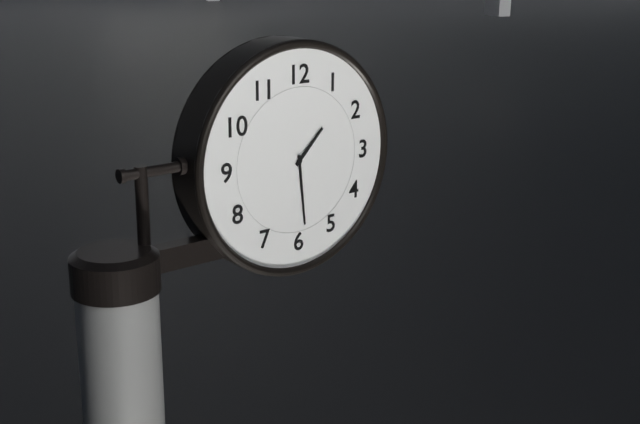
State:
1,29
